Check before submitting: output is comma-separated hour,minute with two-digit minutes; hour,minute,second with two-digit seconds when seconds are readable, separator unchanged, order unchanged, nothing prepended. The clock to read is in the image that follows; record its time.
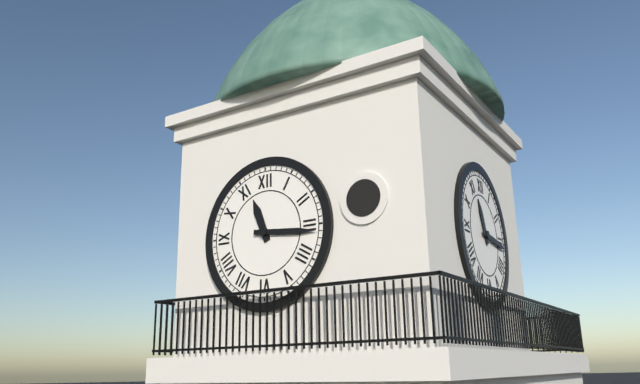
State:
11,16
